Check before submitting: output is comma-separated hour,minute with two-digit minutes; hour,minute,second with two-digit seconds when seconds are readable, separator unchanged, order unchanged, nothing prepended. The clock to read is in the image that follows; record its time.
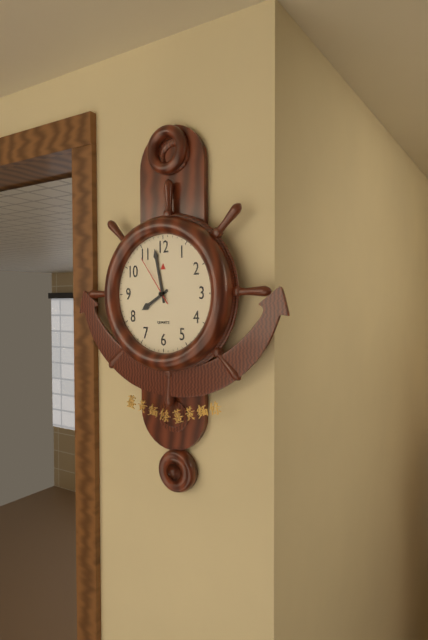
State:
7,58,54
